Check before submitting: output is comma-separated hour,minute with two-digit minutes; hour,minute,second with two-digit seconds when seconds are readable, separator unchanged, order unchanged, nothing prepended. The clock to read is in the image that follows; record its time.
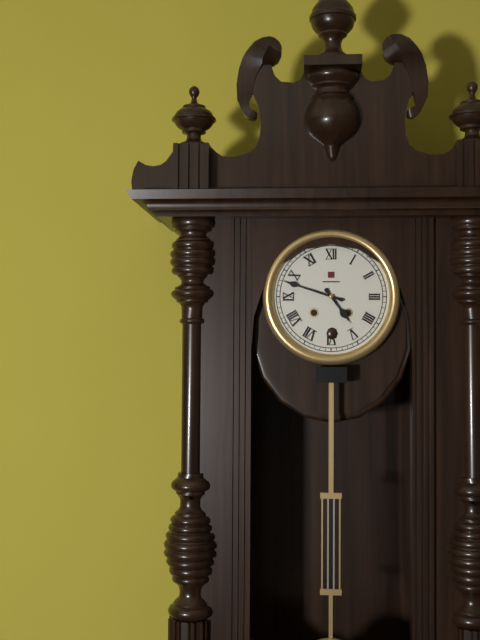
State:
4,48
